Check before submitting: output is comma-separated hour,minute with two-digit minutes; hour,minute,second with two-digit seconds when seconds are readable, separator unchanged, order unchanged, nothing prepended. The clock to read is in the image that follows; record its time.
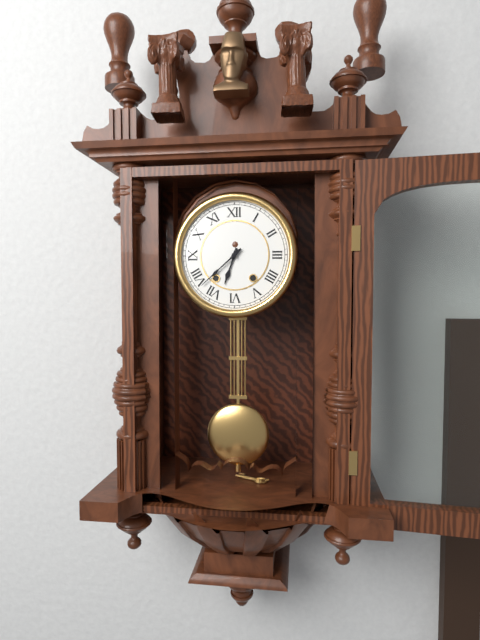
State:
6,38
